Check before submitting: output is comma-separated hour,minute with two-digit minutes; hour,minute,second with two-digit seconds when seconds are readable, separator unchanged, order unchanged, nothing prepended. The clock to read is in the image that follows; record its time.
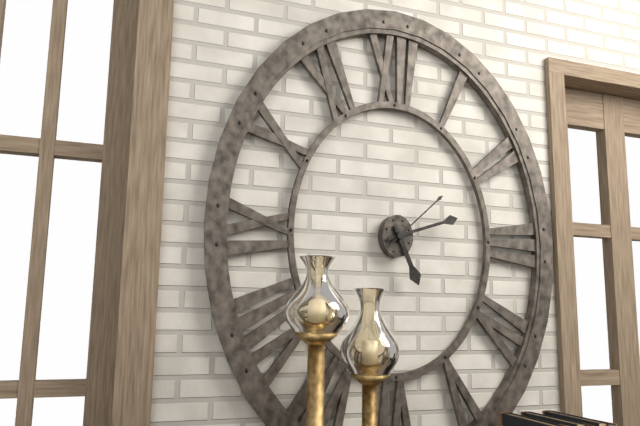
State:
5,12,08
